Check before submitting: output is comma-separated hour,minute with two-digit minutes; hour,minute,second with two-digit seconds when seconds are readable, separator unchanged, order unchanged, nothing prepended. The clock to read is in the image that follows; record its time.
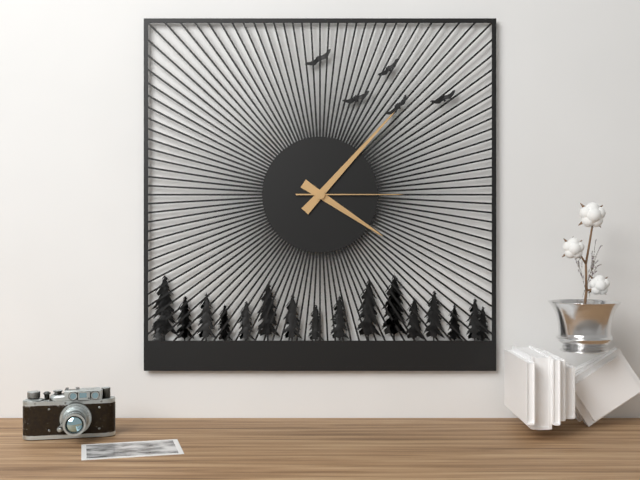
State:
4,07,15
